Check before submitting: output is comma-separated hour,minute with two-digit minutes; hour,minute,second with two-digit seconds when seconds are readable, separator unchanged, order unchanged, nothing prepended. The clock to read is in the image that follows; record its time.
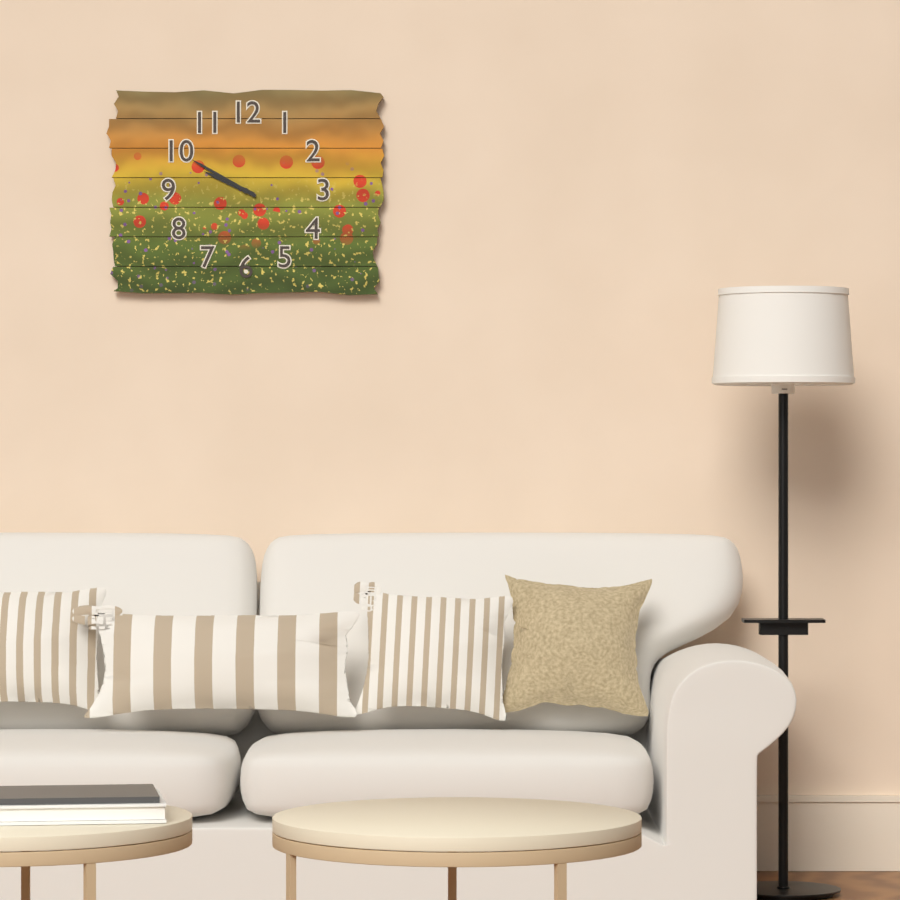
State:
9,50
